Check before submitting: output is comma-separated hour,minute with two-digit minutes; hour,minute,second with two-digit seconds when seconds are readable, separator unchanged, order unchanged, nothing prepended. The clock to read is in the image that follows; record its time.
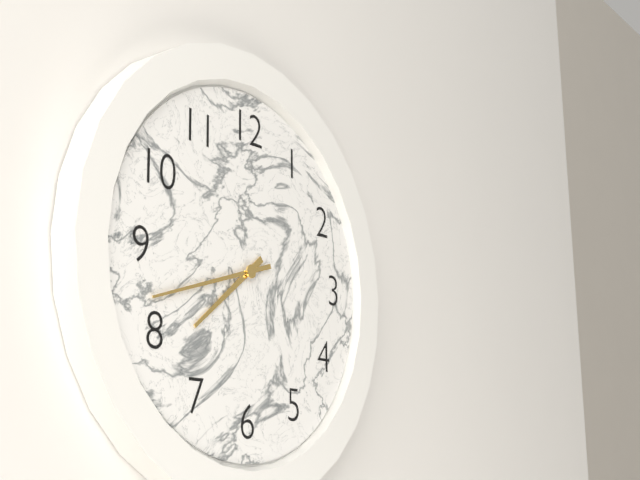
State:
7,42
